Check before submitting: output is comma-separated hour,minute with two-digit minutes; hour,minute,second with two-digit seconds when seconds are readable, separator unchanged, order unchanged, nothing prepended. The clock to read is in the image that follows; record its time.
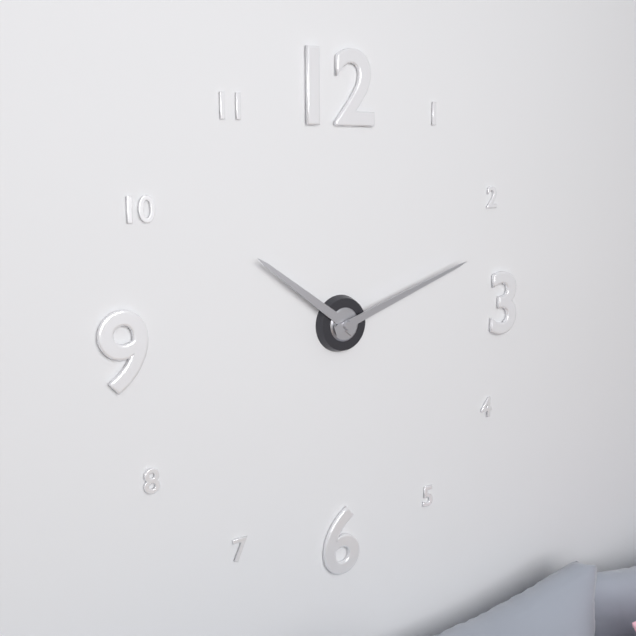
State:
10,12
